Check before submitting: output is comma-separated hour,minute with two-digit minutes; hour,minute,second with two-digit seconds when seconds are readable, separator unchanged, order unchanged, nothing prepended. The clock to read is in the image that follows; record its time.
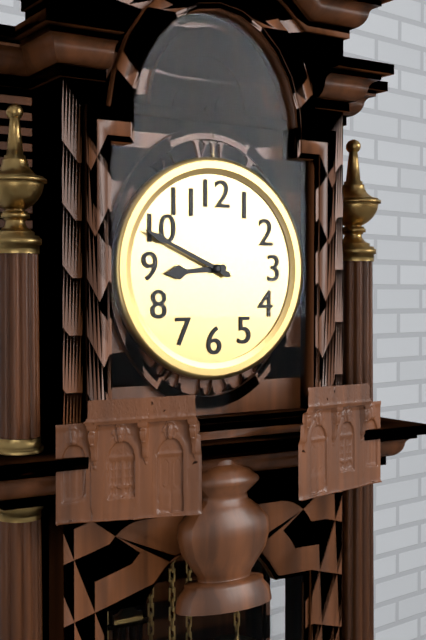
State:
8,49
